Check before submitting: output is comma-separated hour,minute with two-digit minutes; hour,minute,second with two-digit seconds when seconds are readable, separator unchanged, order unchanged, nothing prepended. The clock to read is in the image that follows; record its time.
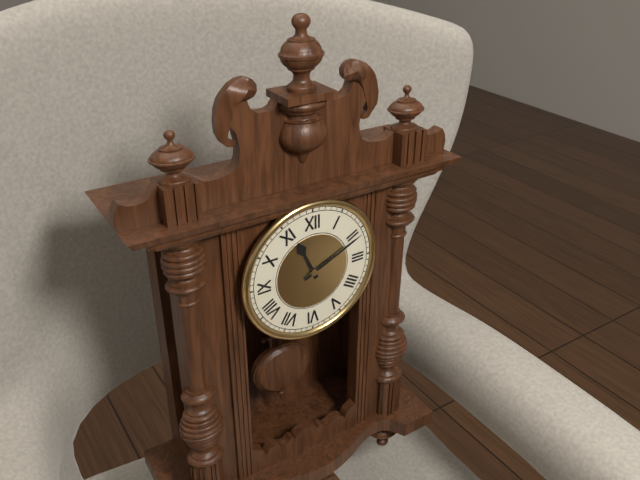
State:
11,11
